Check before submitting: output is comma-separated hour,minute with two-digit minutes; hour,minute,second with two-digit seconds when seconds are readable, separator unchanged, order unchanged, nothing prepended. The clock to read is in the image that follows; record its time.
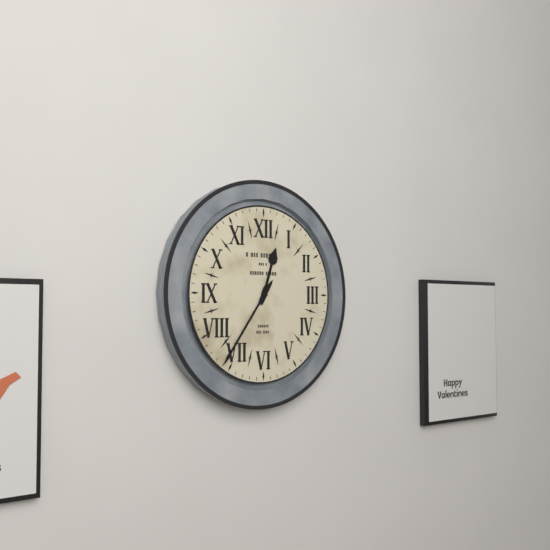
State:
12,36
